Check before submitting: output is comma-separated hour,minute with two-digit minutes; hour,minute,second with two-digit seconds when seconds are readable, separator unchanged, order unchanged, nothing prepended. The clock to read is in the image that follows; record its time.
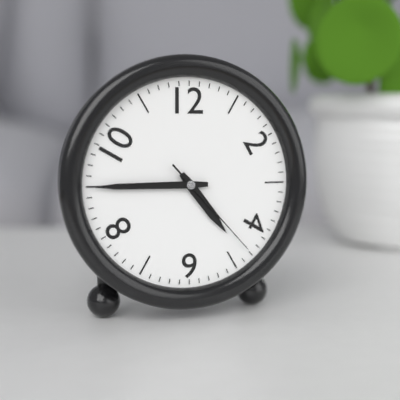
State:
4,45,23
